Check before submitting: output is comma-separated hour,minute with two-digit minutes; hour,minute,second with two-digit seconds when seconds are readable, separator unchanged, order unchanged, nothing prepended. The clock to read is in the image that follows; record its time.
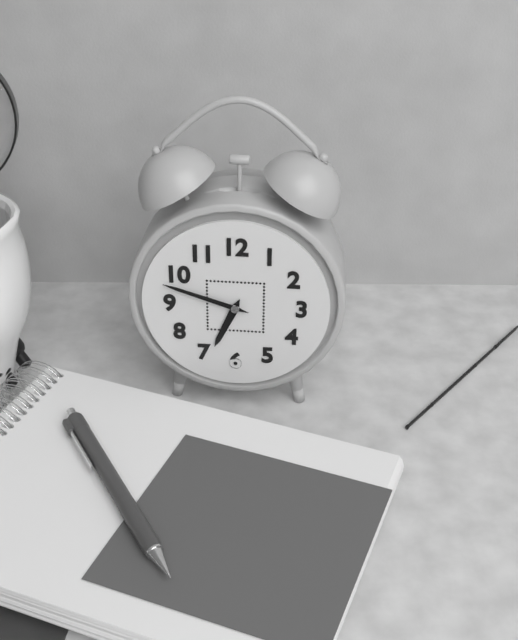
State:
6,48
